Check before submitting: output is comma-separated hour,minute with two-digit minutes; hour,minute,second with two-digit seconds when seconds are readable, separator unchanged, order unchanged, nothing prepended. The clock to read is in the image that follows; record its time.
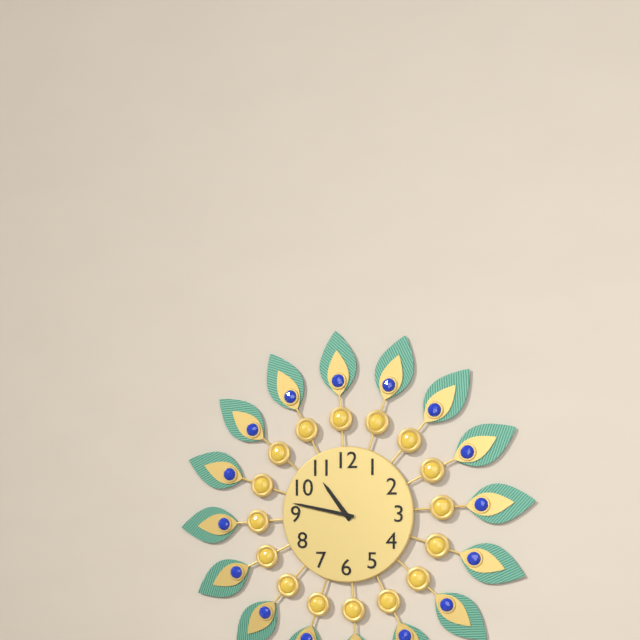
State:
10,47
